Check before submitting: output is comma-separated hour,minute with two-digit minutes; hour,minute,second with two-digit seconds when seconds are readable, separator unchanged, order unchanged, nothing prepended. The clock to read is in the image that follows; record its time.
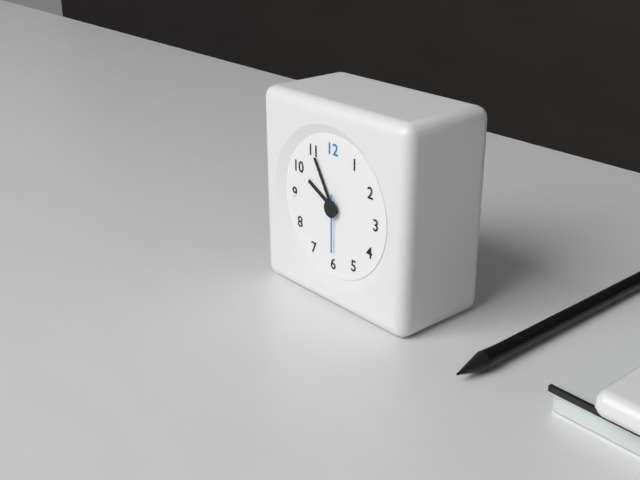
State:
9,55,30
